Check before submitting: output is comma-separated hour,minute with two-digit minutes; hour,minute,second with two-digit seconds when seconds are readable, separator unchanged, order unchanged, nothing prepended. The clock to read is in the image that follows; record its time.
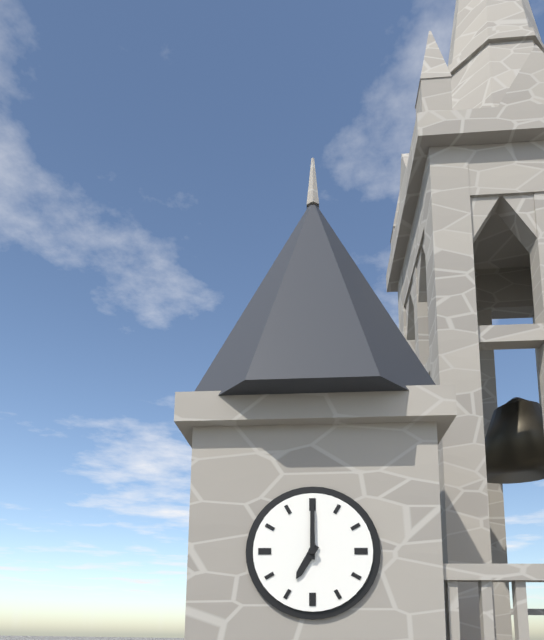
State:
7,00
